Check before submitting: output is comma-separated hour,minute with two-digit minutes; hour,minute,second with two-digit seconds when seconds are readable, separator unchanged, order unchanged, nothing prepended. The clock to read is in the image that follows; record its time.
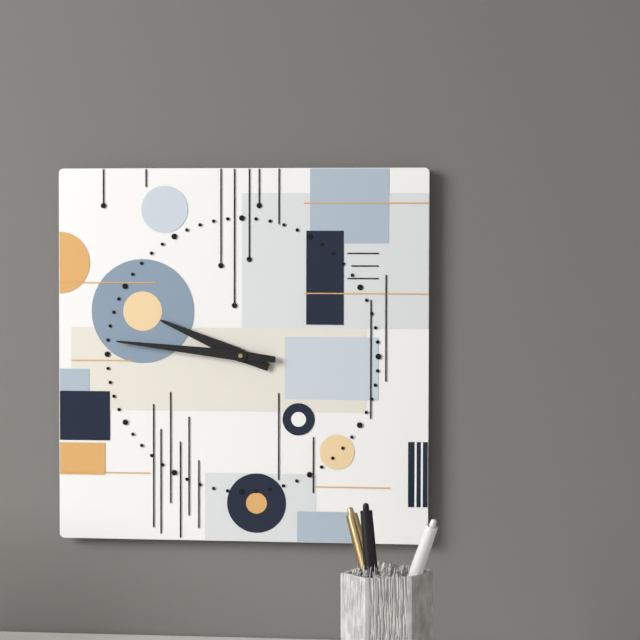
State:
9,46
